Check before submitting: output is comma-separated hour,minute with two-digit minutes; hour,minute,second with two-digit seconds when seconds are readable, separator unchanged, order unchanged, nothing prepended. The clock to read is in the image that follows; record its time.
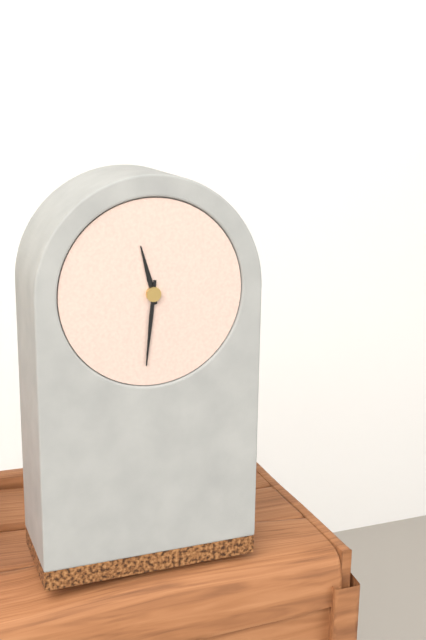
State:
11,31
